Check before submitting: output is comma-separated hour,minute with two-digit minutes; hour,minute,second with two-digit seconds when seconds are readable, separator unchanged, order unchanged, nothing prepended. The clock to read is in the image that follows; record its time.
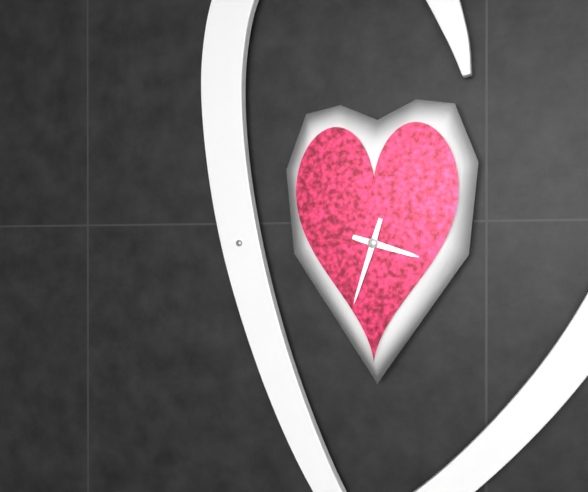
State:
3,33
